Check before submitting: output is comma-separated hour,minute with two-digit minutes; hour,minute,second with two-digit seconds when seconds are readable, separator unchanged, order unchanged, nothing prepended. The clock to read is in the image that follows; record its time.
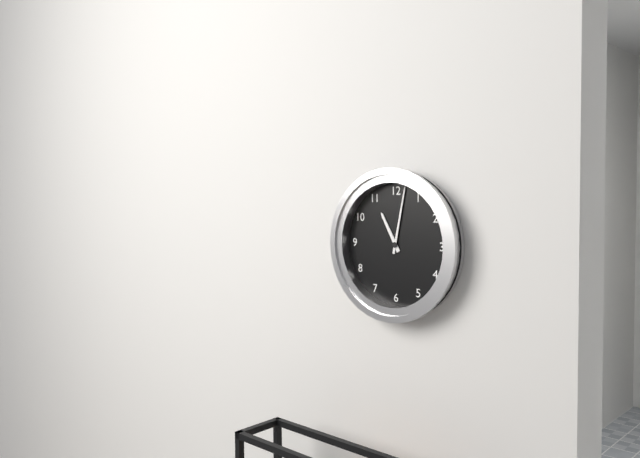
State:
11,02
